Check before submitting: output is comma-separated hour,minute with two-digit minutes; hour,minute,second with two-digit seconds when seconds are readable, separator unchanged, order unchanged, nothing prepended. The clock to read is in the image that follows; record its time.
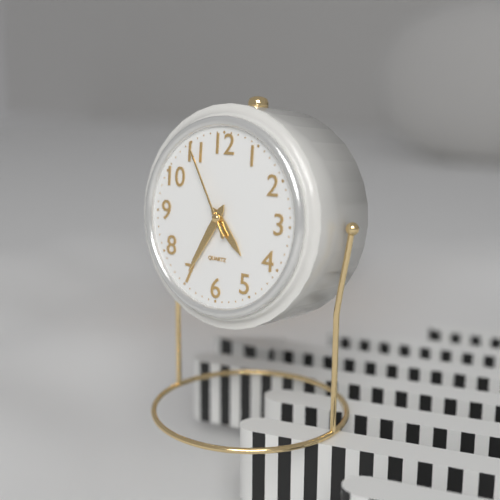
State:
4,35,55
